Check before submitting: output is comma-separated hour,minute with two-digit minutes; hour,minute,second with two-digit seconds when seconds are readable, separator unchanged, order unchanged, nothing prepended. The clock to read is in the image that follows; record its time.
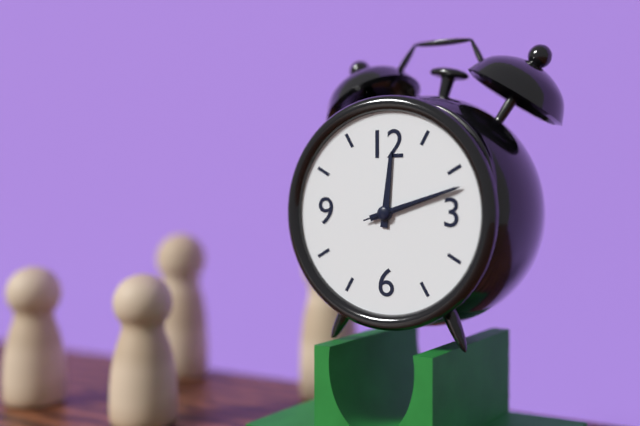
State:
12,12,12
